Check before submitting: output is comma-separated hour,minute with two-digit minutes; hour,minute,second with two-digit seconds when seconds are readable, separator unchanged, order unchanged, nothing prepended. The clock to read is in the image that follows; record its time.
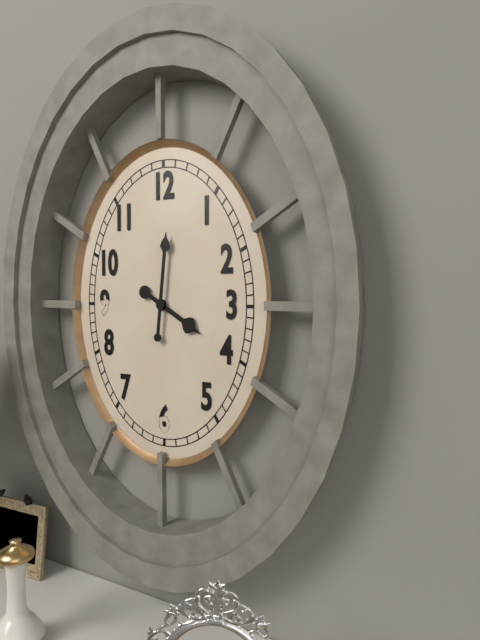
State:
4,01
